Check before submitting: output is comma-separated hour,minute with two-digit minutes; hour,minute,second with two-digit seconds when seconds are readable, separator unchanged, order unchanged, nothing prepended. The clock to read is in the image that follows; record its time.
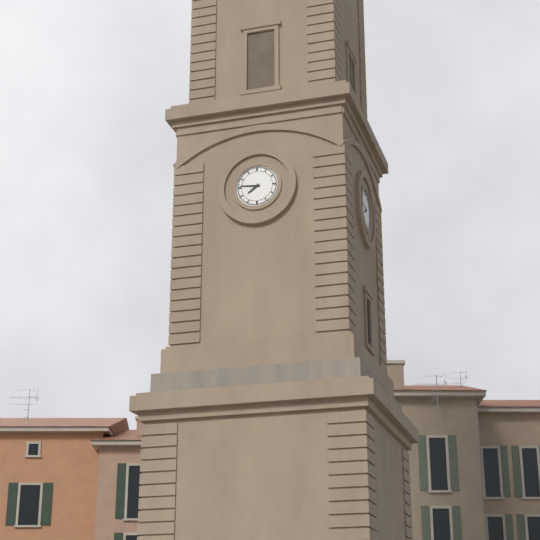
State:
7,46
